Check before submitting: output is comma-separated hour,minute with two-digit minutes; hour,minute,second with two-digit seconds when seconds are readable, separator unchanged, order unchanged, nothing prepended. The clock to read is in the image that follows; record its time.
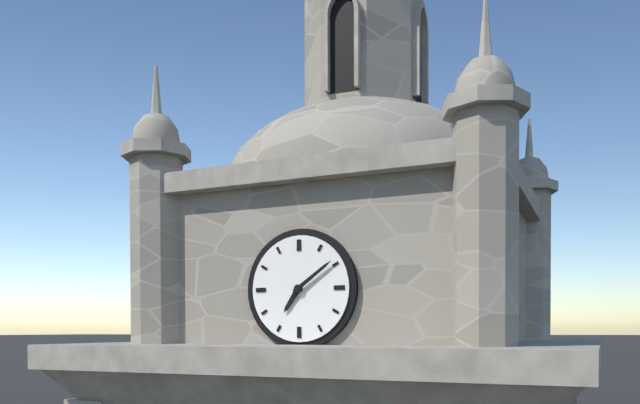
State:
7,09
